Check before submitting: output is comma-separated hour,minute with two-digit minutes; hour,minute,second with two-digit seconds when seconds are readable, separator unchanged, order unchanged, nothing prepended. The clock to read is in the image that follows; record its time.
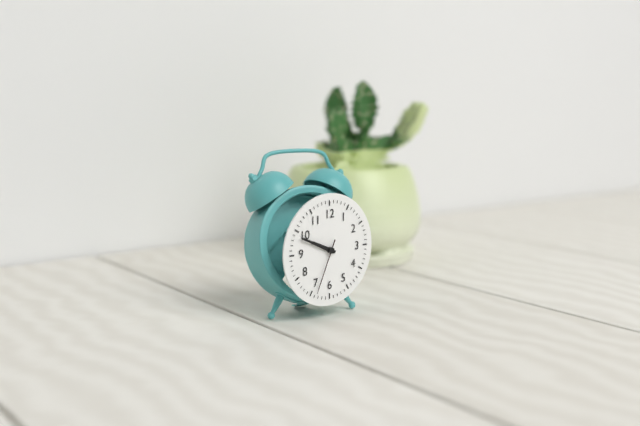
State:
9,49,34
